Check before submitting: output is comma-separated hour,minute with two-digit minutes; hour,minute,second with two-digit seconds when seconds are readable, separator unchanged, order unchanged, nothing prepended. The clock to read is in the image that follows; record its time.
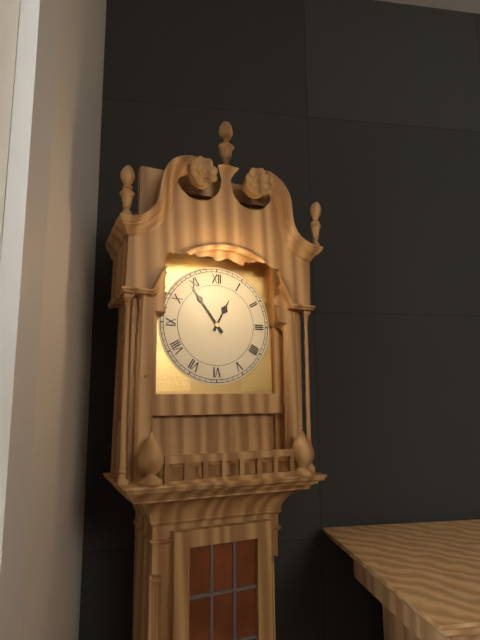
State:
12,54
